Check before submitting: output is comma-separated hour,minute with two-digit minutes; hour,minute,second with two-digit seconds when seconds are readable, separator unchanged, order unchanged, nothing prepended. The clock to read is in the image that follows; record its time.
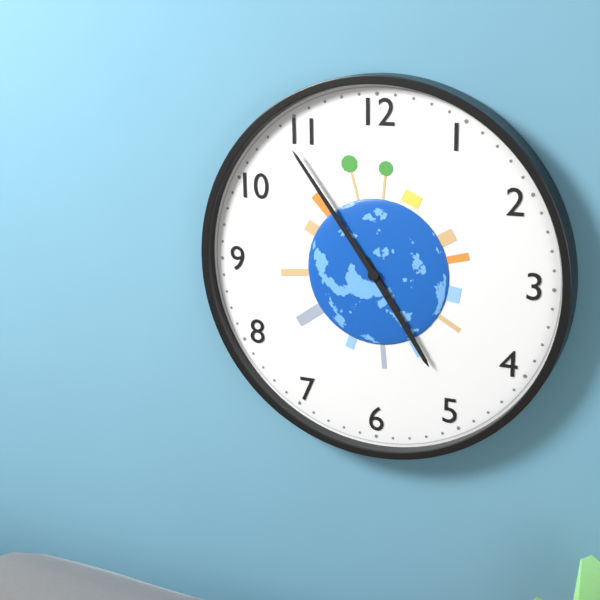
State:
4,54
